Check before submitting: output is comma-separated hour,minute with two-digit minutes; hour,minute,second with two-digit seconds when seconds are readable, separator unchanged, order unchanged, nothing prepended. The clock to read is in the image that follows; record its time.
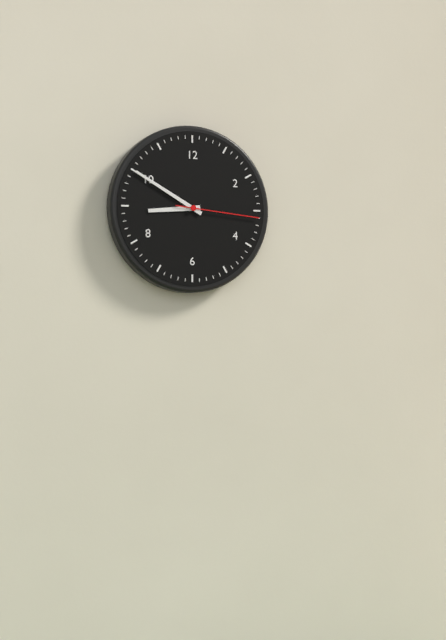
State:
8,50,16
